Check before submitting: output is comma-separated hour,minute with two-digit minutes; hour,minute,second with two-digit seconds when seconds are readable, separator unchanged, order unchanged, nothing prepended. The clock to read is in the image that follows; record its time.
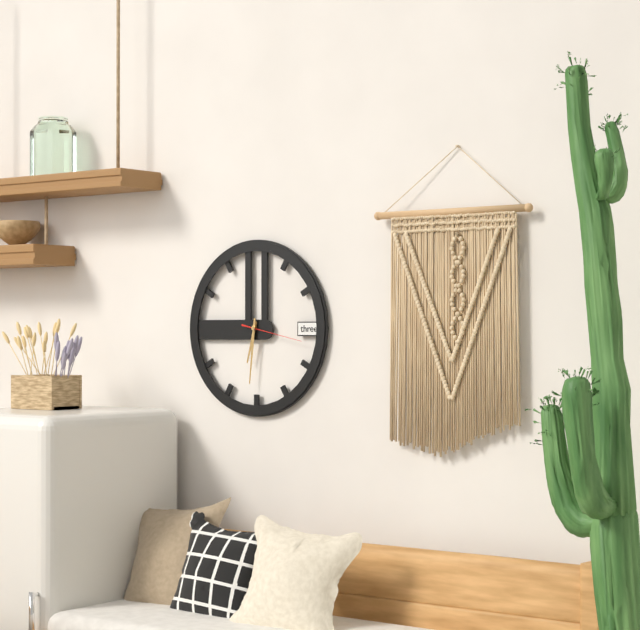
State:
6,31,17
